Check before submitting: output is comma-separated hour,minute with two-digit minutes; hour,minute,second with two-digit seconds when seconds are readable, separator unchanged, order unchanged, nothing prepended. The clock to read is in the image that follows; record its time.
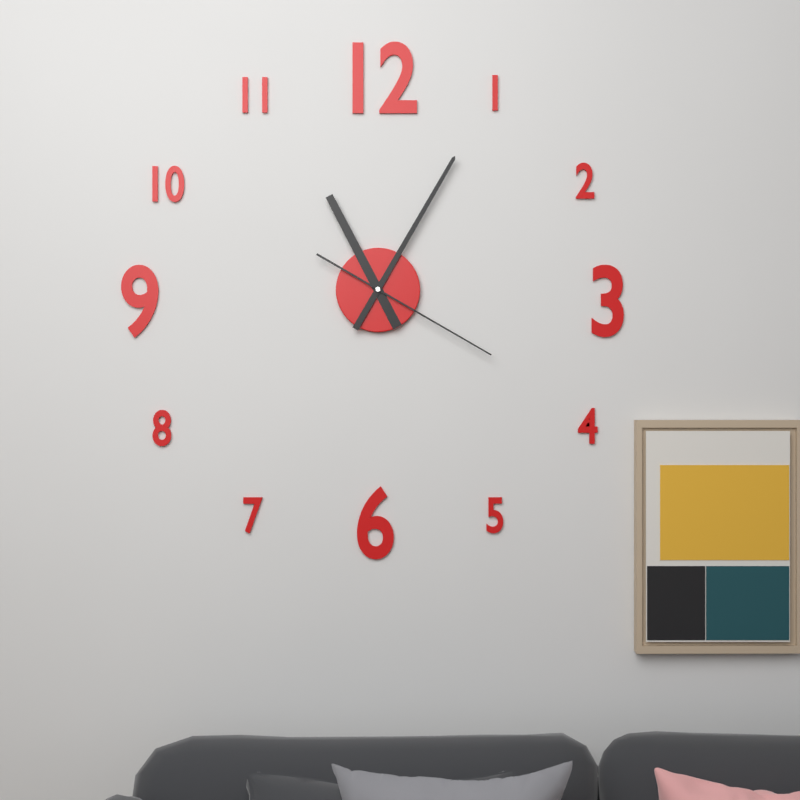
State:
11,05,20
